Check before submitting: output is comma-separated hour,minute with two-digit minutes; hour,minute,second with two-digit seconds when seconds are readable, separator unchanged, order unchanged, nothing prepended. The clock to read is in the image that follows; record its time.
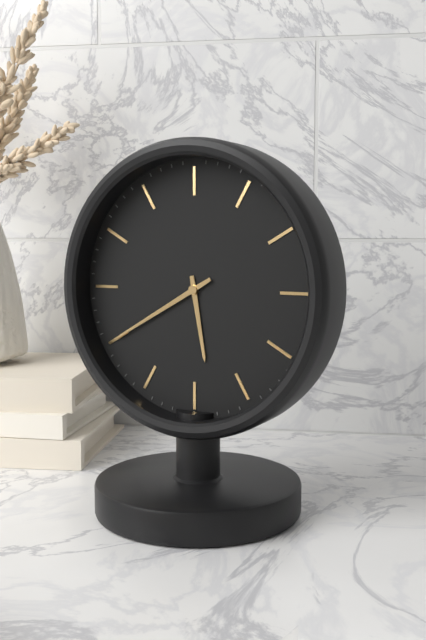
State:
5,40
